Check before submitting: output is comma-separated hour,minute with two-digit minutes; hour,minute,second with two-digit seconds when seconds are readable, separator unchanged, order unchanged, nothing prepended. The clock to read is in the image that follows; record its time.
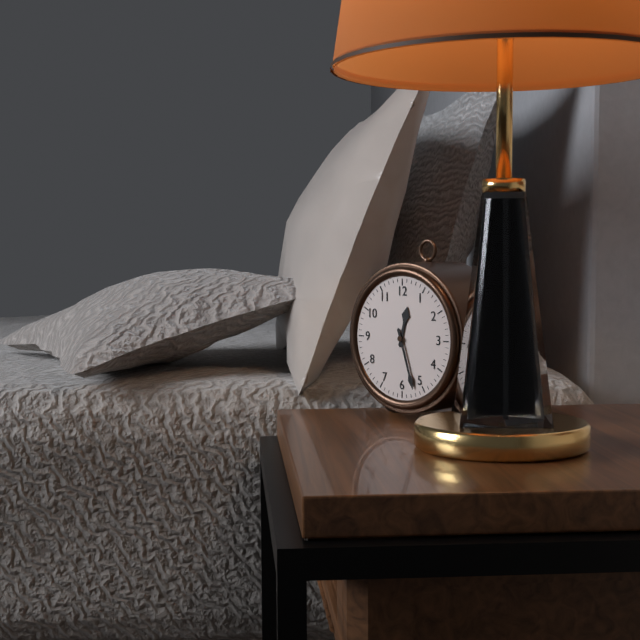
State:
12,27
